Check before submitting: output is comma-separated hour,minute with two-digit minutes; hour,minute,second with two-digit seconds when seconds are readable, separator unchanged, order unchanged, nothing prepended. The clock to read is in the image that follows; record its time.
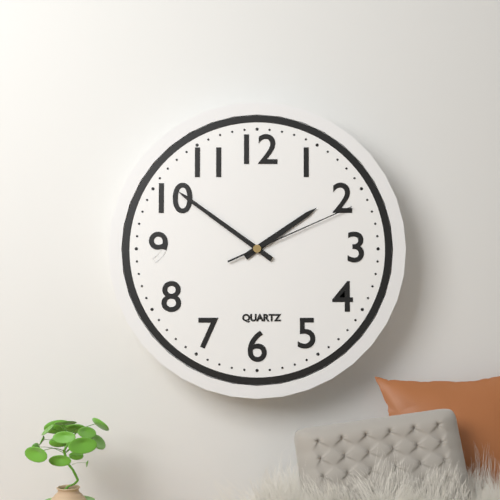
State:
1,51,11
